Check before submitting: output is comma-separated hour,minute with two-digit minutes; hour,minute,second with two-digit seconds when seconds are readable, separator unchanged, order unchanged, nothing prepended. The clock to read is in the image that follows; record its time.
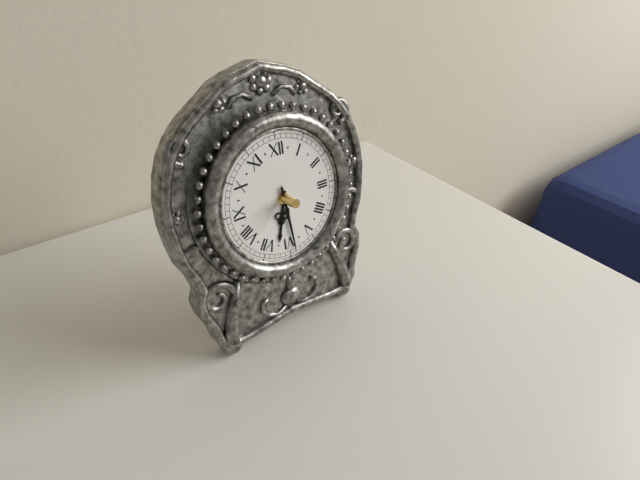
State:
6,29
